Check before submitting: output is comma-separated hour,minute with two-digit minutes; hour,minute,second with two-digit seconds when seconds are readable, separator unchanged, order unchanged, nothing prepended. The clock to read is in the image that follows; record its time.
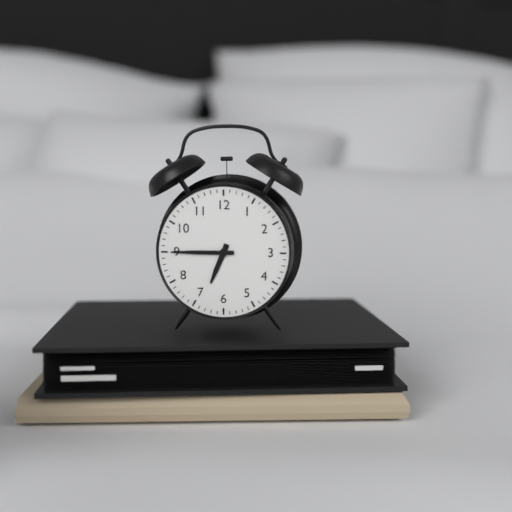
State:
6,45
